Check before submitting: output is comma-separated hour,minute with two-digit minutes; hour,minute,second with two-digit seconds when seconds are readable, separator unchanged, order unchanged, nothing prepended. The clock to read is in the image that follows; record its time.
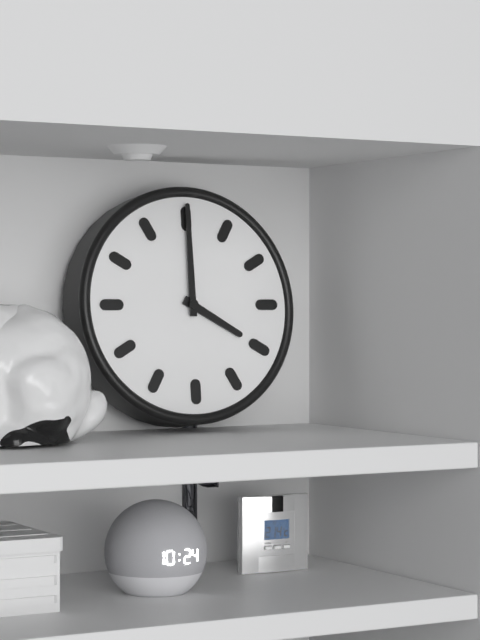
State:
4,00
